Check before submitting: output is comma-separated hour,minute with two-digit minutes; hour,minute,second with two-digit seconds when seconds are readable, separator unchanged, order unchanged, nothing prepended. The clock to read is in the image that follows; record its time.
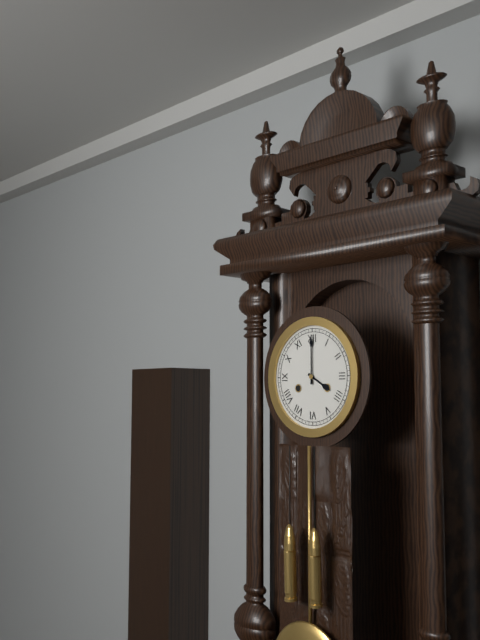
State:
4,00
